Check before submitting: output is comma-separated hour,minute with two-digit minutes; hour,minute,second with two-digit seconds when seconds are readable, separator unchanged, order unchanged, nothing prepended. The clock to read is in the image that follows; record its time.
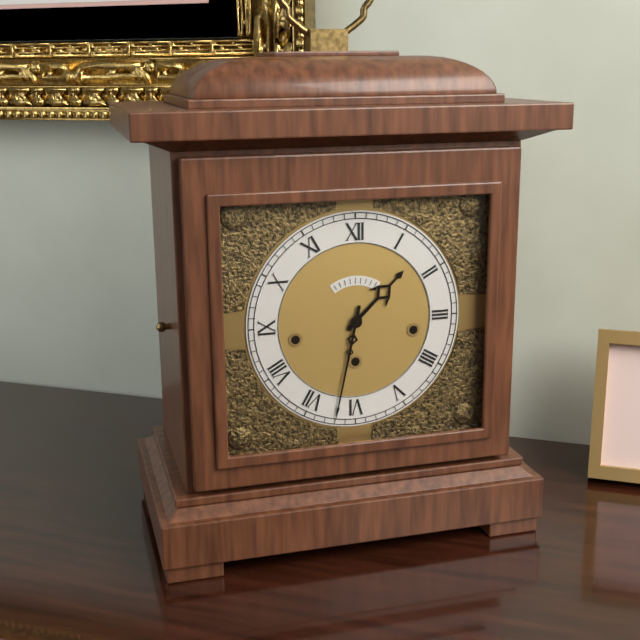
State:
1,32
